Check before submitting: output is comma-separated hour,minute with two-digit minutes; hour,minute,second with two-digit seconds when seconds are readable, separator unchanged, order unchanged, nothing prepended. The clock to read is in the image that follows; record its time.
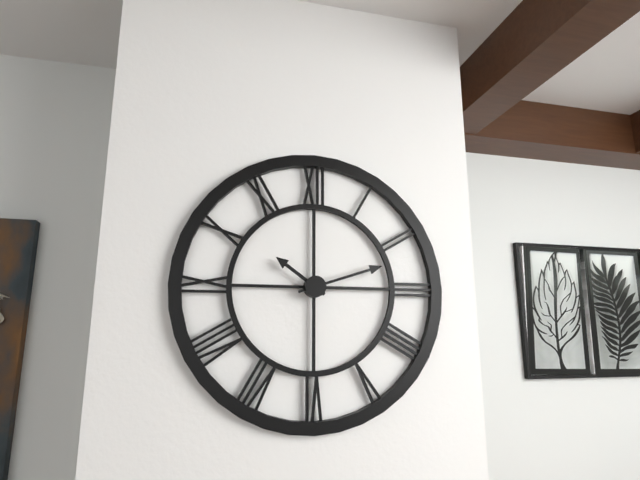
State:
10,12
